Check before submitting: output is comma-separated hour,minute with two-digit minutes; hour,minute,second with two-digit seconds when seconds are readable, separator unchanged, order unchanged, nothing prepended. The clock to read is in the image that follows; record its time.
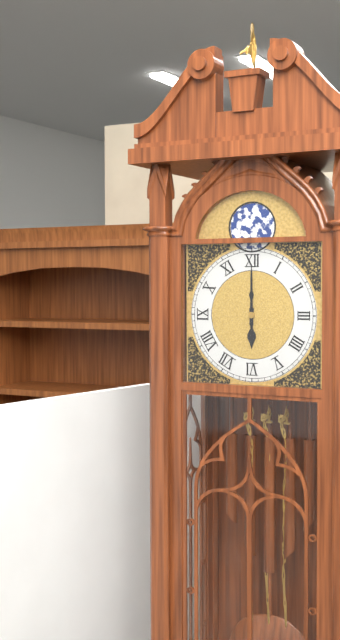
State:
6,00
